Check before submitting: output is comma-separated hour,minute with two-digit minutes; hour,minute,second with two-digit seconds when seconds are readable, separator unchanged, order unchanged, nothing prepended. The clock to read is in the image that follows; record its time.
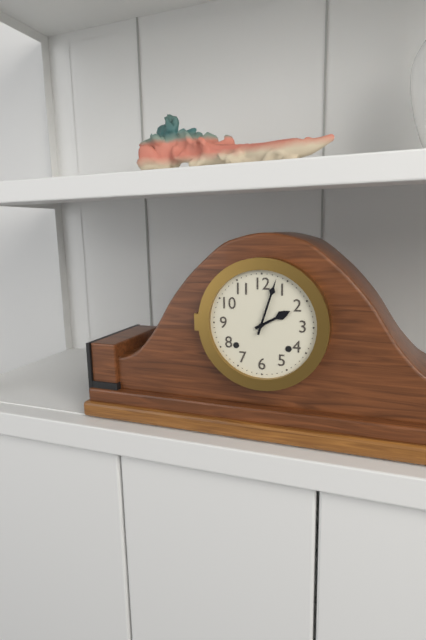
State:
2,03
